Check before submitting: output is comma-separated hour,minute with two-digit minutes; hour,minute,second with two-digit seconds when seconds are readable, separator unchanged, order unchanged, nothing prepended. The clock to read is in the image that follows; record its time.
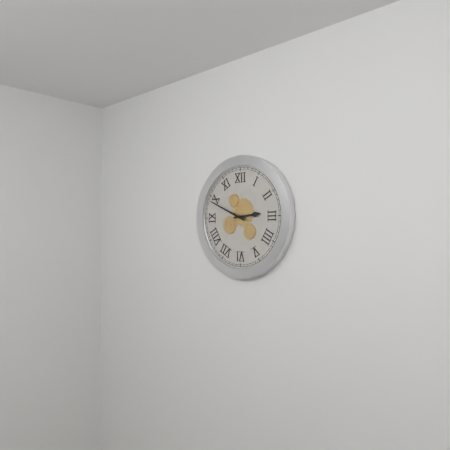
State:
2,49
